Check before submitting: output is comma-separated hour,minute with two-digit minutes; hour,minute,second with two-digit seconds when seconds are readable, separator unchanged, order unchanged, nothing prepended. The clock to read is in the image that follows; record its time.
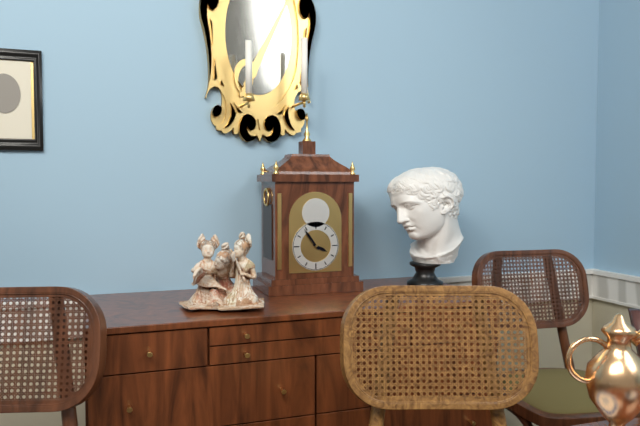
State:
3,54
